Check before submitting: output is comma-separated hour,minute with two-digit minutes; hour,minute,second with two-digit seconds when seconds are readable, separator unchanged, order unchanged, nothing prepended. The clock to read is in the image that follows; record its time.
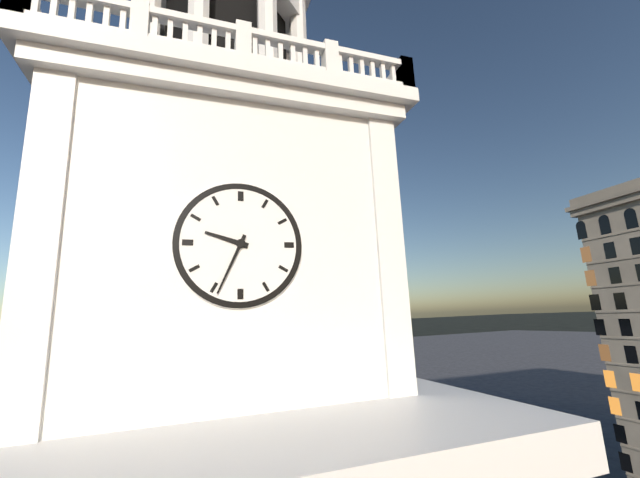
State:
9,34
